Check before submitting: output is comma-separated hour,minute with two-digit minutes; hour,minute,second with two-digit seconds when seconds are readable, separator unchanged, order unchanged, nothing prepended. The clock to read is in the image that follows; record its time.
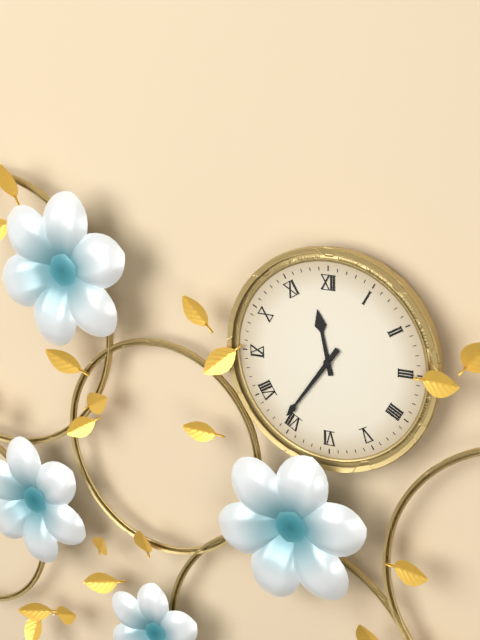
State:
11,36
